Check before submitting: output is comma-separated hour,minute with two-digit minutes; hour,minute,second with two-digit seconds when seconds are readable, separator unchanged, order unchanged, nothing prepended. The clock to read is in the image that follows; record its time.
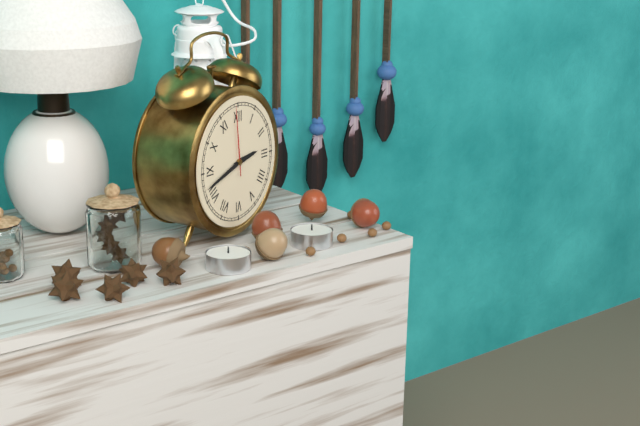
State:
2,42,59
